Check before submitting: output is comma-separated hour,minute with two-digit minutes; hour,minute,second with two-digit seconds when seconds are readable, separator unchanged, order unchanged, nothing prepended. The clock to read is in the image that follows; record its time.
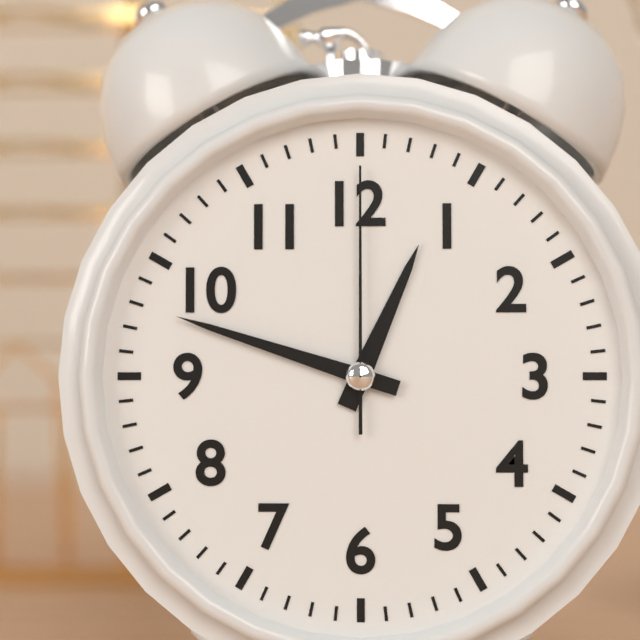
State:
12,48,00
